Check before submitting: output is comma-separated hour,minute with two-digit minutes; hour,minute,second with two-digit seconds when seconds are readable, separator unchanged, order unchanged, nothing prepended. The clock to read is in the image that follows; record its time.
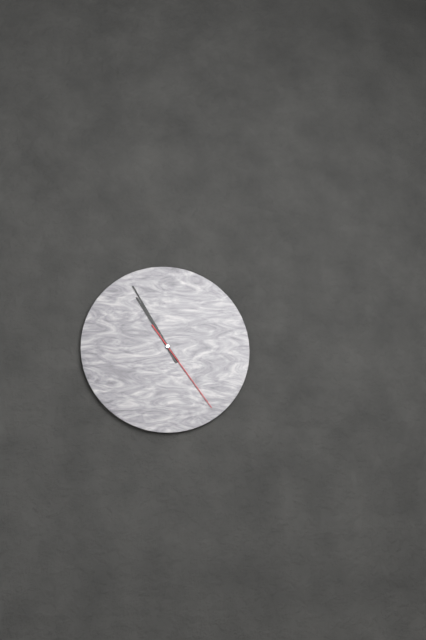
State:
10,55,24
